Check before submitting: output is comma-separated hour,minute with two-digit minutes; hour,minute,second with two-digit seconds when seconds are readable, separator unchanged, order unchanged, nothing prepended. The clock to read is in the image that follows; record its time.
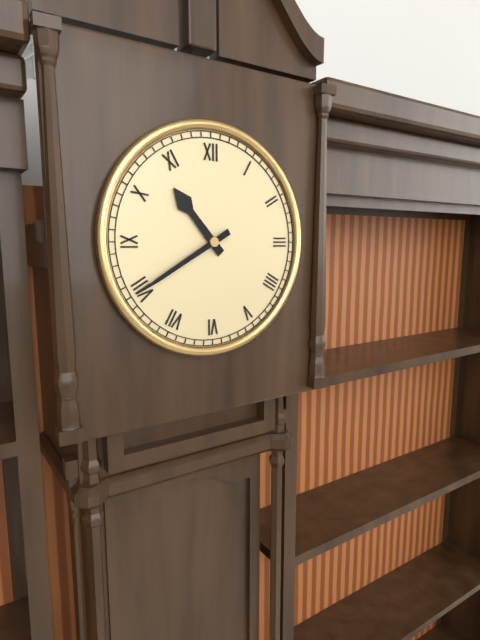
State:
10,40
